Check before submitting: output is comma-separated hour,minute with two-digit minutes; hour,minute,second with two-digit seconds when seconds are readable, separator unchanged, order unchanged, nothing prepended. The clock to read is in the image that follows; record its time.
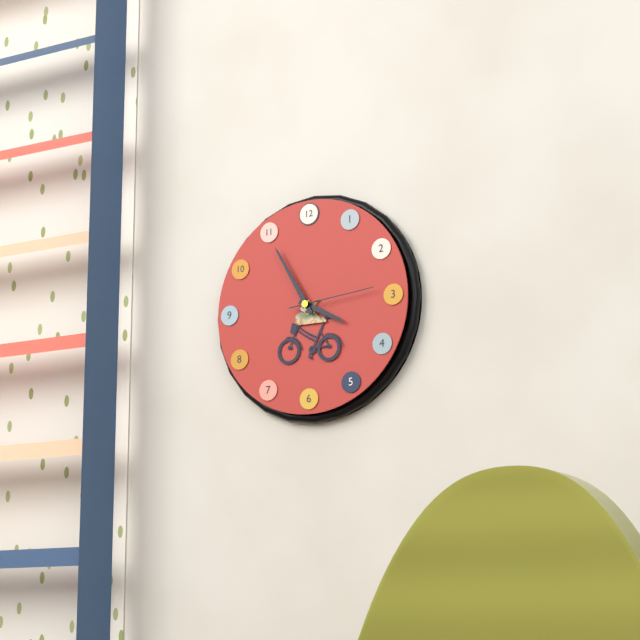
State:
3,55,14
